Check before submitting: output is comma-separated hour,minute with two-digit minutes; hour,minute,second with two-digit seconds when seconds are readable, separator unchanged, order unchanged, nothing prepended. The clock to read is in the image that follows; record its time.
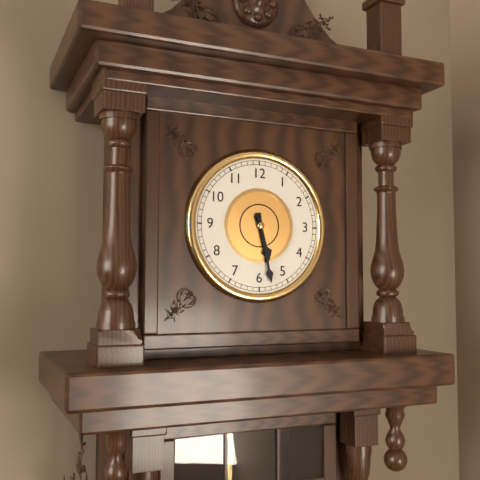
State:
5,28
